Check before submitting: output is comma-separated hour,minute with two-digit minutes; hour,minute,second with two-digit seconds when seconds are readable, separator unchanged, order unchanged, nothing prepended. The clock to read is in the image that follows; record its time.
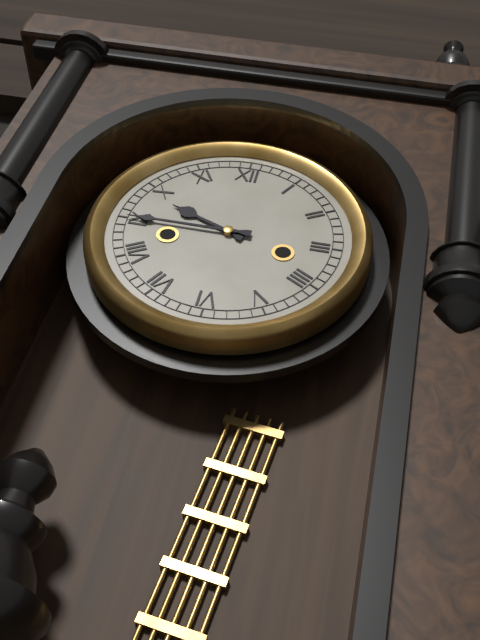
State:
9,45
